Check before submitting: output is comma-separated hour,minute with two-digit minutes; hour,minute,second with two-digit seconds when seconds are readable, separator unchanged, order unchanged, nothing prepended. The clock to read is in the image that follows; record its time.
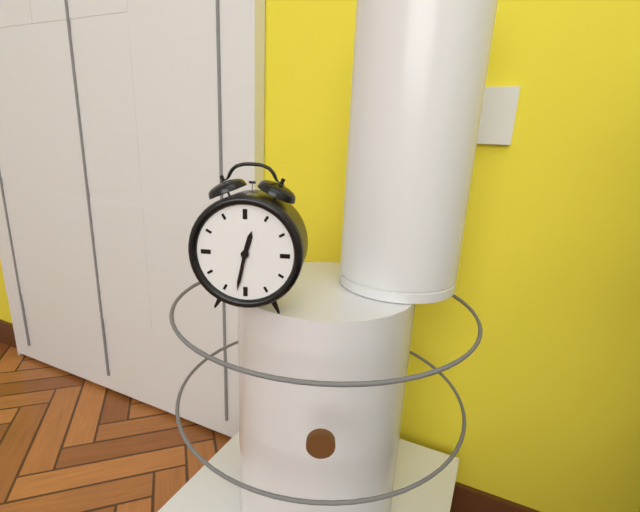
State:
12,32
